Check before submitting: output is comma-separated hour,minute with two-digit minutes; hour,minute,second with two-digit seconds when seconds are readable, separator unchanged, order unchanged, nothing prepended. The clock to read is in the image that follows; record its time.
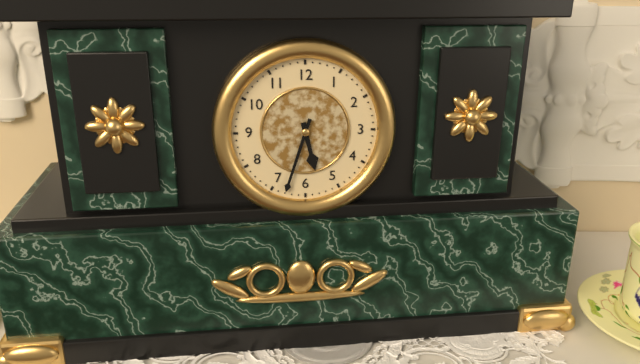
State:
5,33
